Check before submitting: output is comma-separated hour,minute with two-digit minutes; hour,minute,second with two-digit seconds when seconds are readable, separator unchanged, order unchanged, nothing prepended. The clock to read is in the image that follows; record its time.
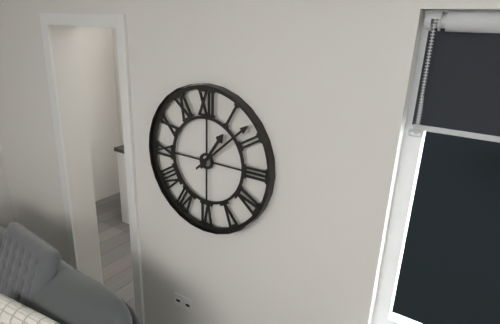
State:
1,08
